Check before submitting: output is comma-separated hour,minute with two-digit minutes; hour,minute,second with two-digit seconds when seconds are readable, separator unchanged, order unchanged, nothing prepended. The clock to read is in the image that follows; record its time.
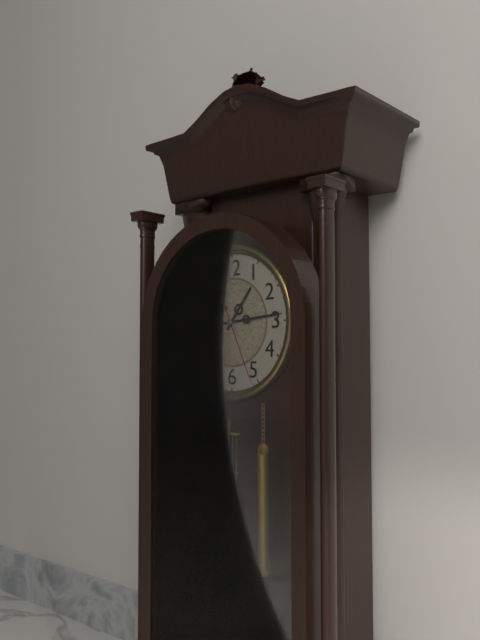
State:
1,14,26
